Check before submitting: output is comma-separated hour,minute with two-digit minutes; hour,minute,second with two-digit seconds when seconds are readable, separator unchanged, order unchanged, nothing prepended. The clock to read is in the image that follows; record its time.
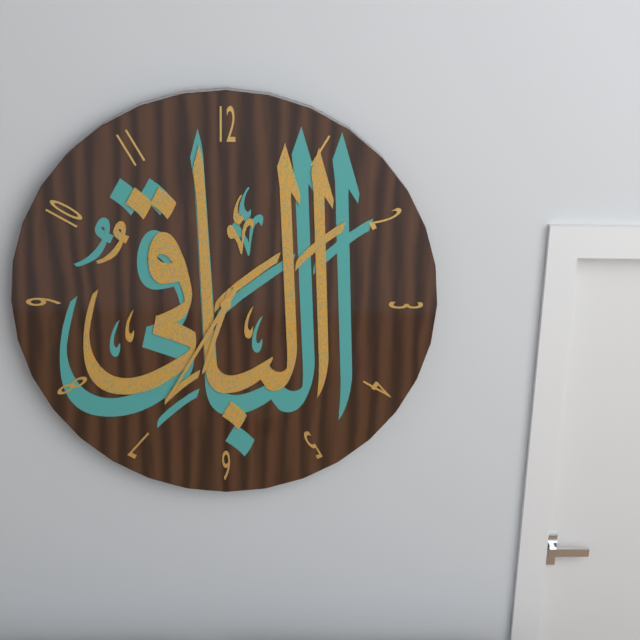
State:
6,35
